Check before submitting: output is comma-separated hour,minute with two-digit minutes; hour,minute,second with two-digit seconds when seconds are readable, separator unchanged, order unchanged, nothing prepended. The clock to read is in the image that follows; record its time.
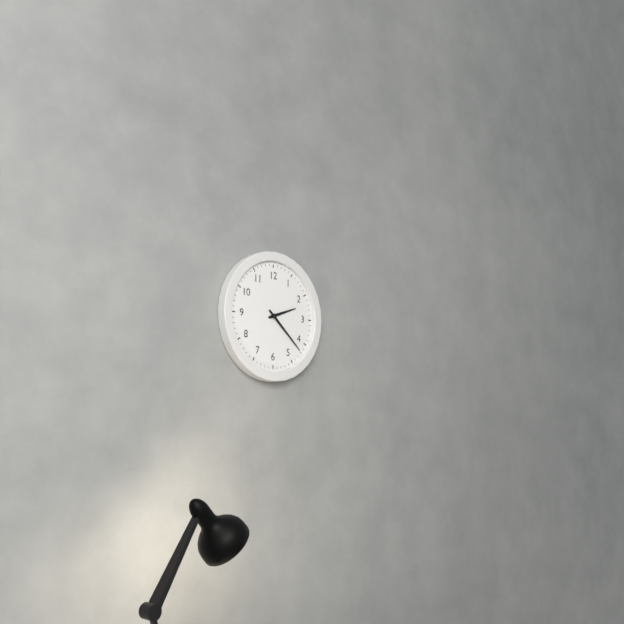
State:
2,22
